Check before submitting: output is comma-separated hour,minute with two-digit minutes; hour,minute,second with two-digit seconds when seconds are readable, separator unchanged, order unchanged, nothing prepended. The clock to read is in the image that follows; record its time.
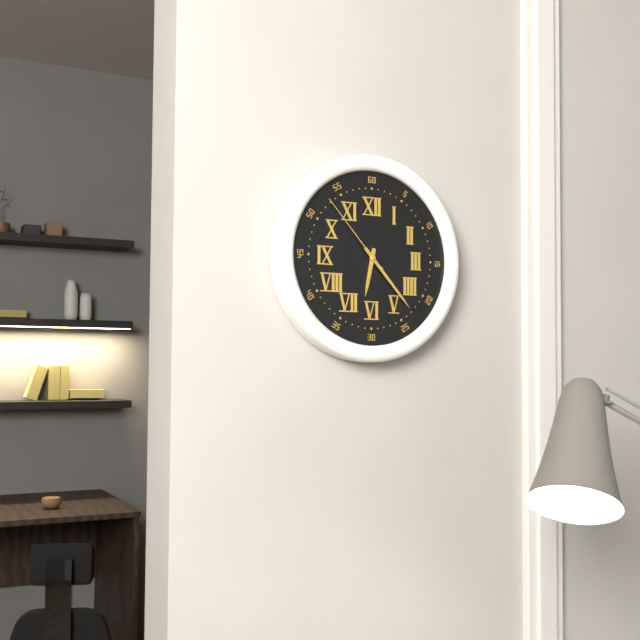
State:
6,23,53
